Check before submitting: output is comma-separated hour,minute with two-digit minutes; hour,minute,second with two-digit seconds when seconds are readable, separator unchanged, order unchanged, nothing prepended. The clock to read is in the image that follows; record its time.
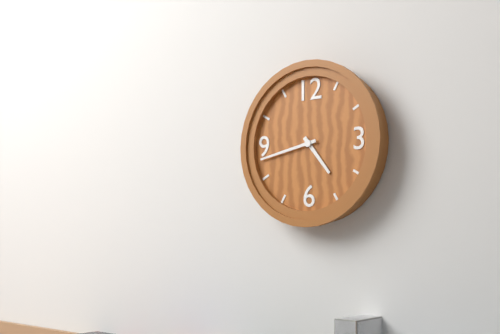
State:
4,43
